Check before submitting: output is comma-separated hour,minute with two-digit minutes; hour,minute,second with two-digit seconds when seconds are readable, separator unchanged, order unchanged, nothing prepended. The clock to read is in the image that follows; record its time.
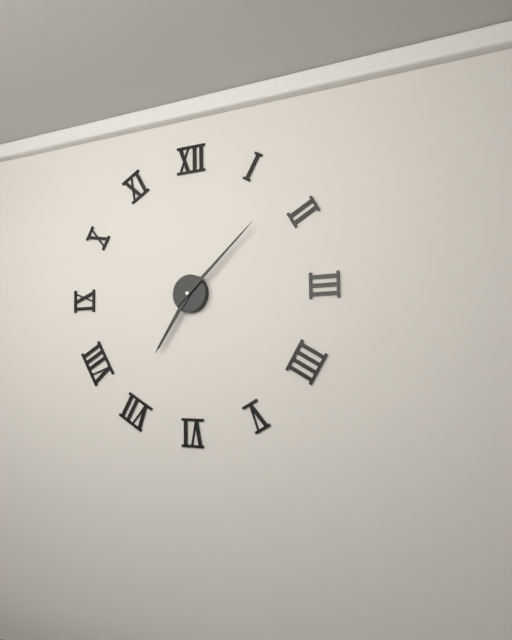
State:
7,08
